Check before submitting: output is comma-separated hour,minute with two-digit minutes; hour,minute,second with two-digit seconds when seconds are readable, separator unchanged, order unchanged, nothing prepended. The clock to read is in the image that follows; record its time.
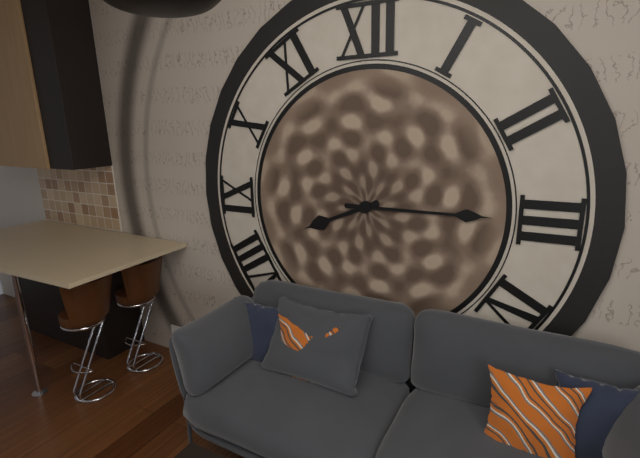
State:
8,15
